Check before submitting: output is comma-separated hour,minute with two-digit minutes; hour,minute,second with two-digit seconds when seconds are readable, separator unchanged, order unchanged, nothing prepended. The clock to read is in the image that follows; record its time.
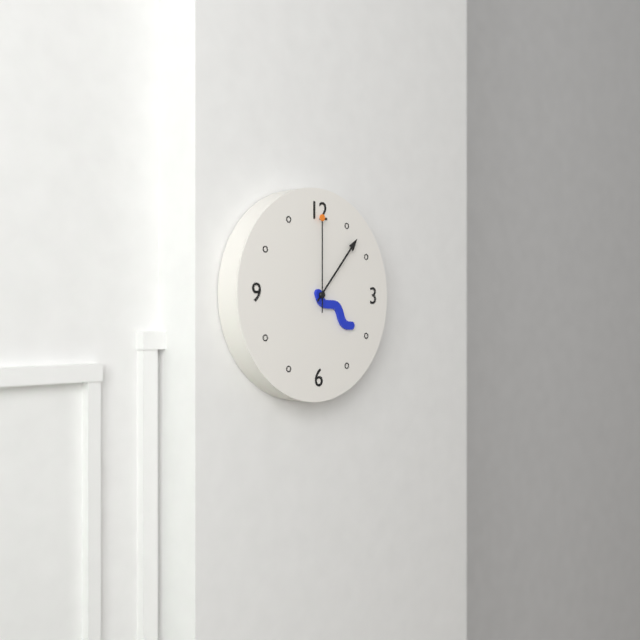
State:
4,07,00
